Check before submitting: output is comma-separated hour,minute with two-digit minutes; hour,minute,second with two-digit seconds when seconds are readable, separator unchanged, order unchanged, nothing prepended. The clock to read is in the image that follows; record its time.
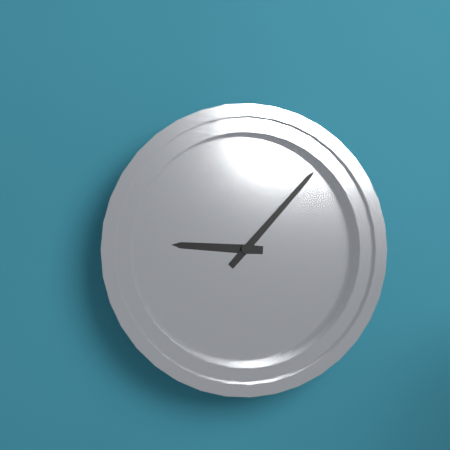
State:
9,07
